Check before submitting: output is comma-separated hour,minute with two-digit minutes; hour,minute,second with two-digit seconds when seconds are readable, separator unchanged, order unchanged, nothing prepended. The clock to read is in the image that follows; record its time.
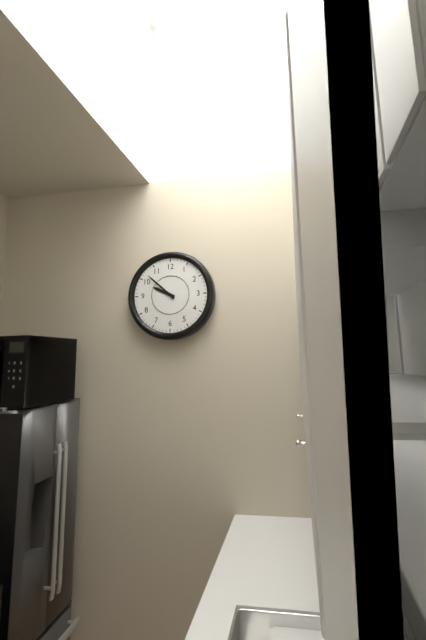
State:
9,52
